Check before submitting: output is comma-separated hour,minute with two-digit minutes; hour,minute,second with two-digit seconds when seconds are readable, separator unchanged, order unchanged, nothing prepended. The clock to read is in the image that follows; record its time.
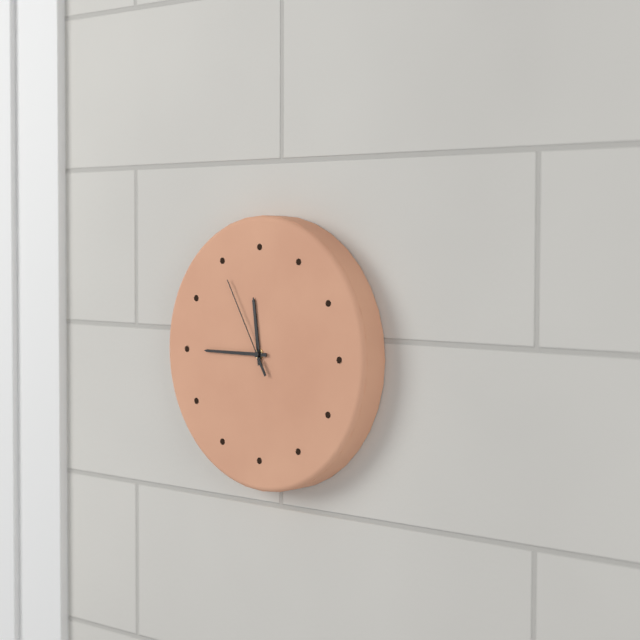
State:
11,45,55
